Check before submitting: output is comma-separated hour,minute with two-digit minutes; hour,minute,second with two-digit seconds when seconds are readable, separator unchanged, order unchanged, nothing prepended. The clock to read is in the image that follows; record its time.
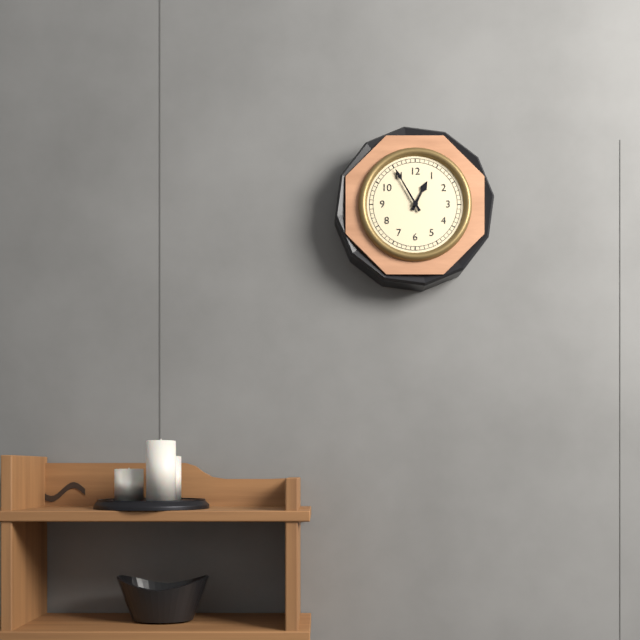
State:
12,55
